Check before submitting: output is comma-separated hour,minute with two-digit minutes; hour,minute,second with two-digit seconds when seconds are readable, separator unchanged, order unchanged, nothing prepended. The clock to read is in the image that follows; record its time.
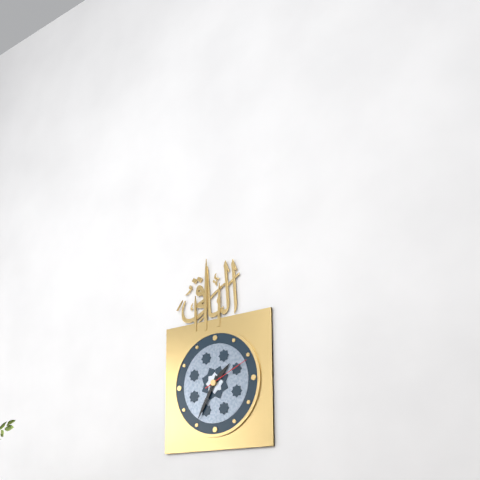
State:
1,35,11
